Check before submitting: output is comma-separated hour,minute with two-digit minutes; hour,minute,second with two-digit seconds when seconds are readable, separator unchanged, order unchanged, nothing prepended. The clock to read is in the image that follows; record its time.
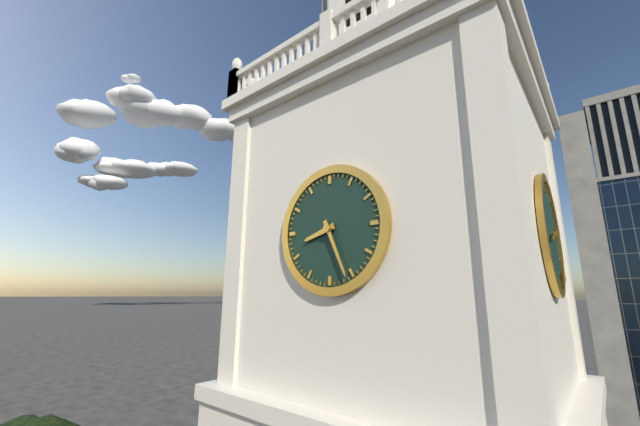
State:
8,26
